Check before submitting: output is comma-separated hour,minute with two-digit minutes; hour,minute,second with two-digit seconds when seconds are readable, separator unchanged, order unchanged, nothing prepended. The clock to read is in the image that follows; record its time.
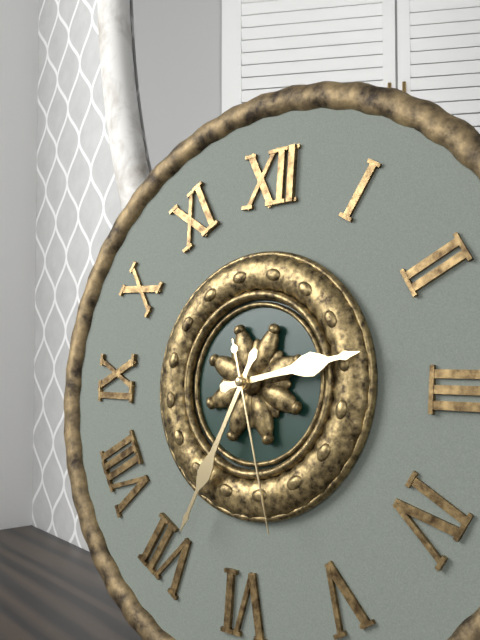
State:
2,34,27
